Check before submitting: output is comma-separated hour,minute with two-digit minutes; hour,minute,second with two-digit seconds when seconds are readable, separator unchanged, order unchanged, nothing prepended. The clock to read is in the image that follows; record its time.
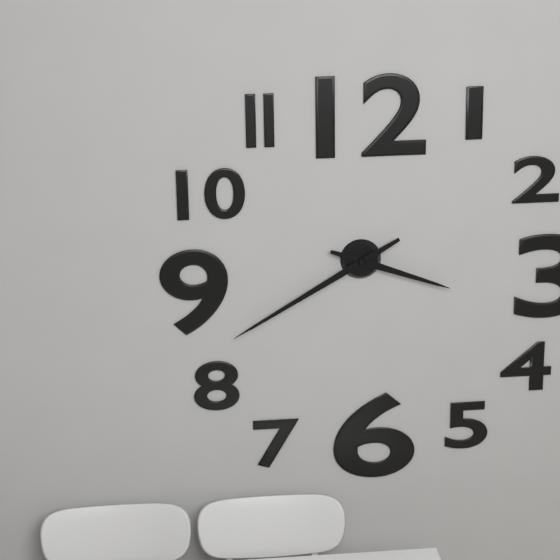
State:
3,40
